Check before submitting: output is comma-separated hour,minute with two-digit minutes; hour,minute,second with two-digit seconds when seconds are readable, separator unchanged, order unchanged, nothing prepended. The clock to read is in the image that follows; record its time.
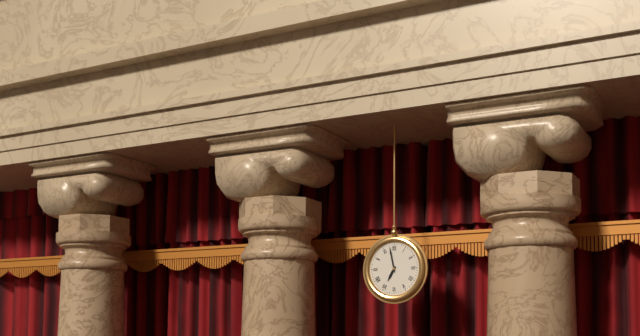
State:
6,58
